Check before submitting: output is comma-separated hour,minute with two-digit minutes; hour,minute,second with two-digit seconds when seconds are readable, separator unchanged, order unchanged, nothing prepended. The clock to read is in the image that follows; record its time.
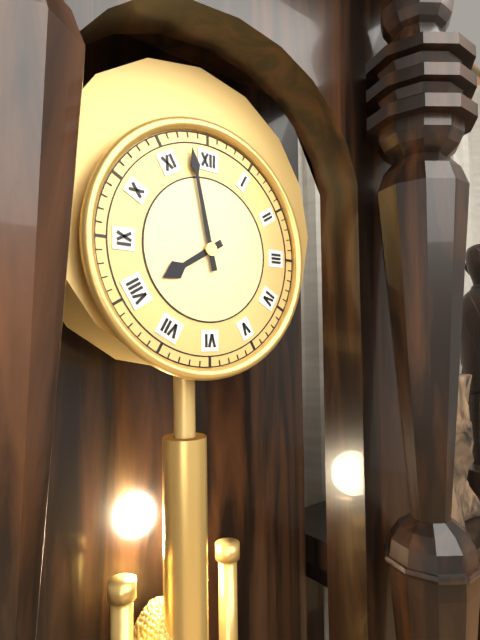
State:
7,58
